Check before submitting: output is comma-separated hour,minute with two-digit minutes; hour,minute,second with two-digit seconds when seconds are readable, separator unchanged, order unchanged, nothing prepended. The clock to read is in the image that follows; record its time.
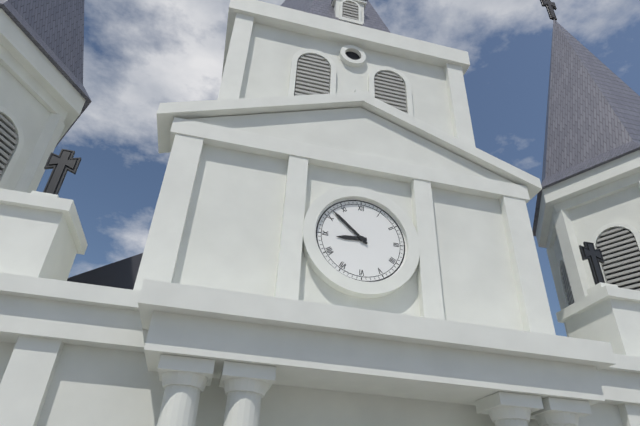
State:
8,52
